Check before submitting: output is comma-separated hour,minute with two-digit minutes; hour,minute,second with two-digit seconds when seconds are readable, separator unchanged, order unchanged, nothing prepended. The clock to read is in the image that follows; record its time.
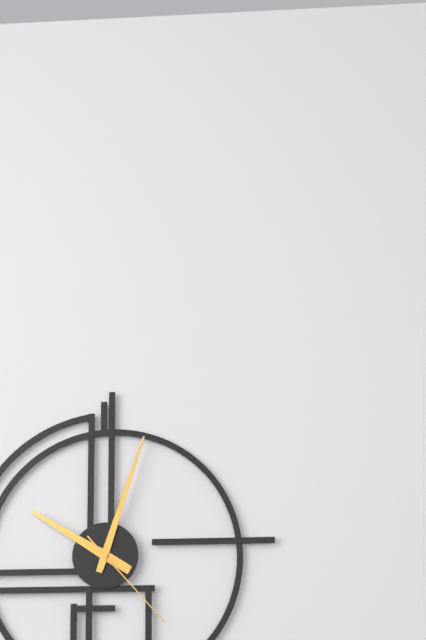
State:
10,03,23
